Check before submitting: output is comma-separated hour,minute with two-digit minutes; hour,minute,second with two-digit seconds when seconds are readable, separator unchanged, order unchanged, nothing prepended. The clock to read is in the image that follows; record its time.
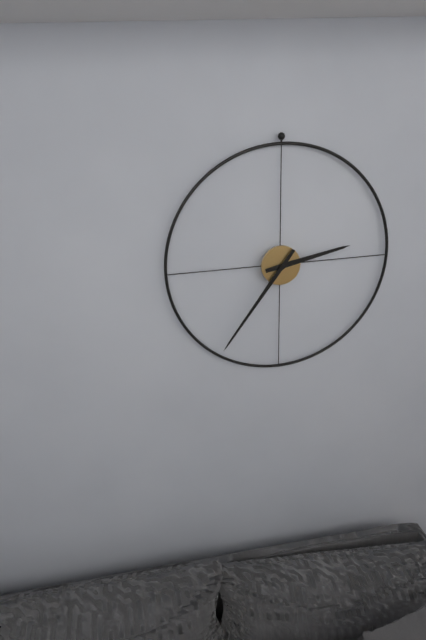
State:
2,36
